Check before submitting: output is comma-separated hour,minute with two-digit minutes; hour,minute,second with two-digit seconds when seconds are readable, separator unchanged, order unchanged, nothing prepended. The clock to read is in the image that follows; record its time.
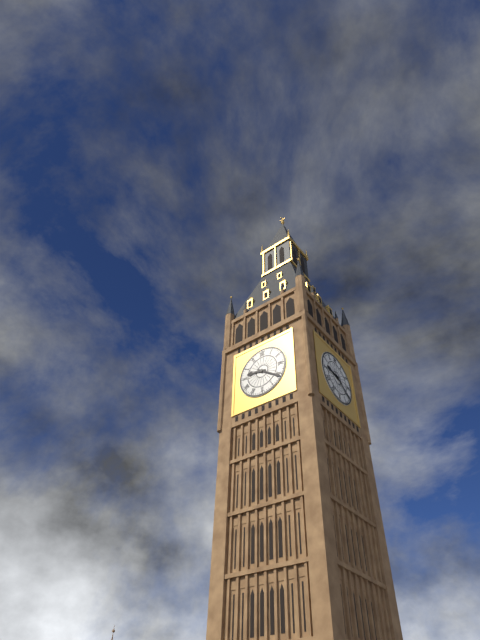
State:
9,21
